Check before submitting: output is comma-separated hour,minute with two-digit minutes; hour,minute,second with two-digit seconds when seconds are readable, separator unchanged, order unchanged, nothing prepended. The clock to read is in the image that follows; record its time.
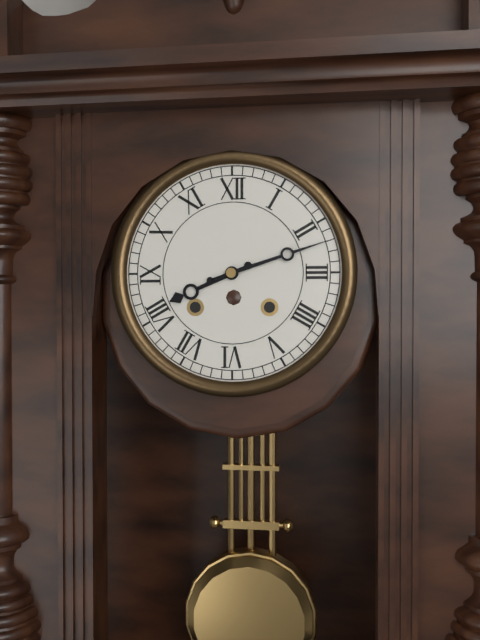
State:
8,12
